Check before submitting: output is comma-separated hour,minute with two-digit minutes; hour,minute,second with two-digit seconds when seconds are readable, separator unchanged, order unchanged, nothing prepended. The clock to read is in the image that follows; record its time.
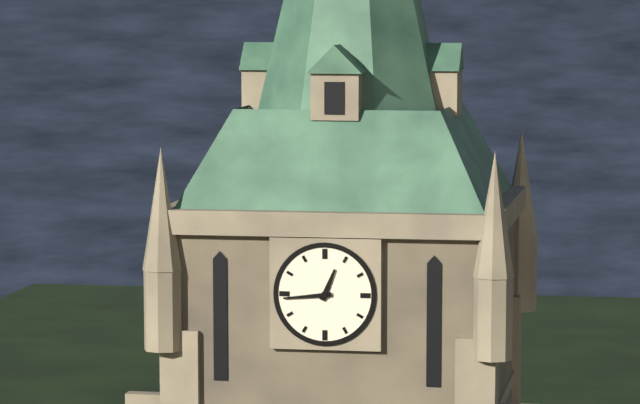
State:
12,44
